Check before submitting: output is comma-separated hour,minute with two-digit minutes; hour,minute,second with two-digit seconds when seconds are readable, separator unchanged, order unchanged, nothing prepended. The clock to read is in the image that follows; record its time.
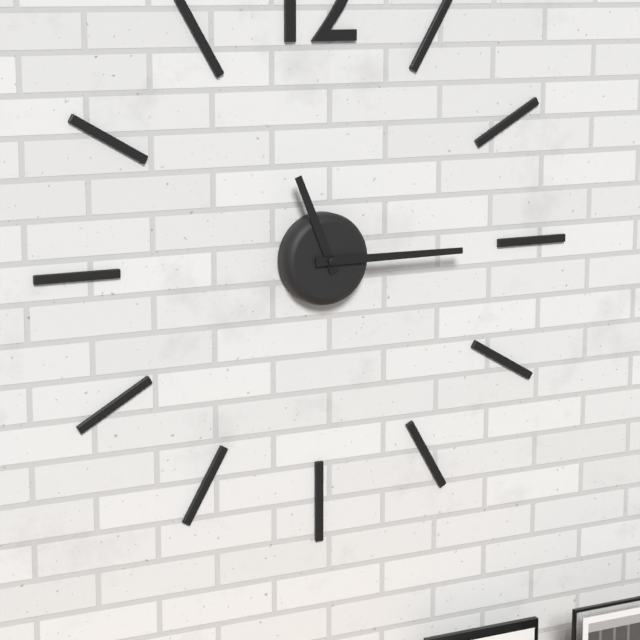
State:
11,15
